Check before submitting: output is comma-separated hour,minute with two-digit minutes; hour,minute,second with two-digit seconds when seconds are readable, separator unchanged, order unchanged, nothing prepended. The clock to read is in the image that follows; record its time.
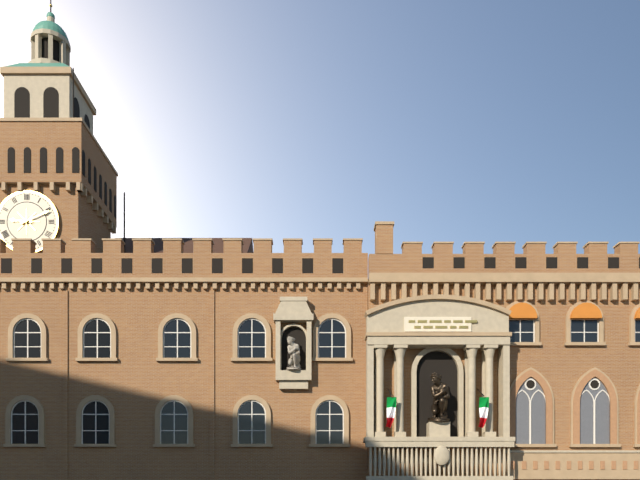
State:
9,11
